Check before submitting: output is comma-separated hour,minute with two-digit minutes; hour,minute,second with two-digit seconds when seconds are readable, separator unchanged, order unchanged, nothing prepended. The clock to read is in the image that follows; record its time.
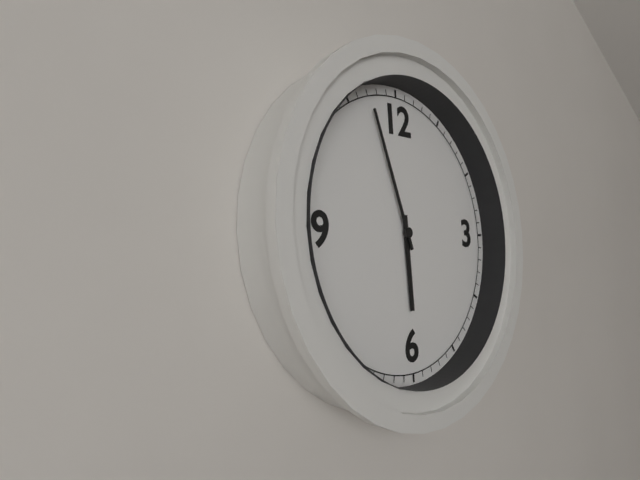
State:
5,57
